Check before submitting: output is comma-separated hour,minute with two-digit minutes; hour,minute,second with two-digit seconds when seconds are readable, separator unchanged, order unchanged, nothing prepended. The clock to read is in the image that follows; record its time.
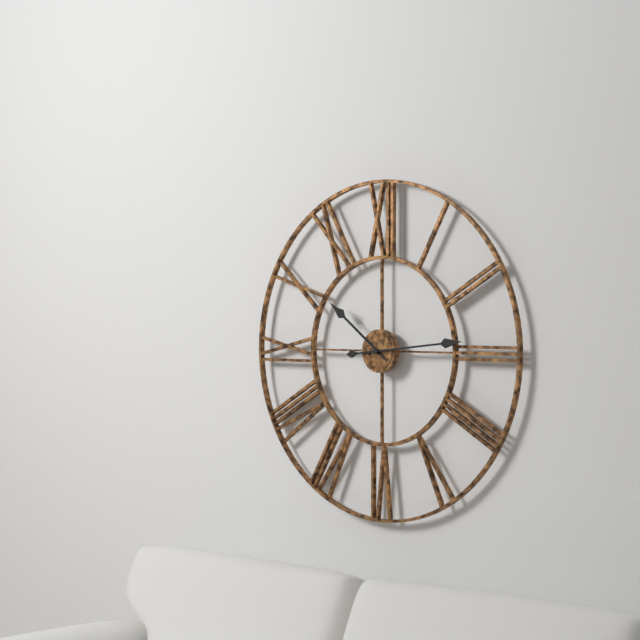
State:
10,14
